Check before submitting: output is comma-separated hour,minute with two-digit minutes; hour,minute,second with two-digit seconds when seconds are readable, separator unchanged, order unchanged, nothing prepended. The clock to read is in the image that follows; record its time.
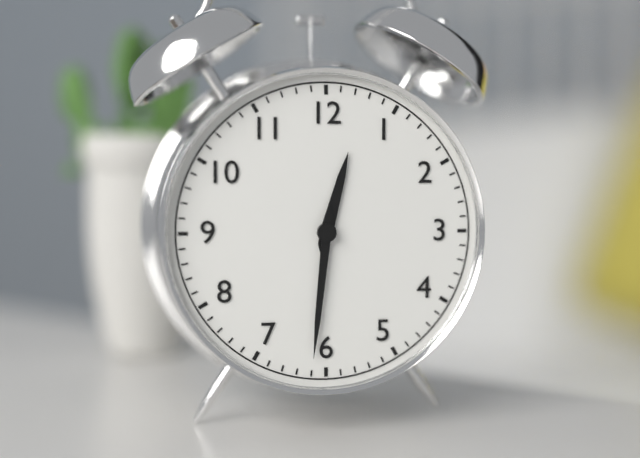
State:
12,31
